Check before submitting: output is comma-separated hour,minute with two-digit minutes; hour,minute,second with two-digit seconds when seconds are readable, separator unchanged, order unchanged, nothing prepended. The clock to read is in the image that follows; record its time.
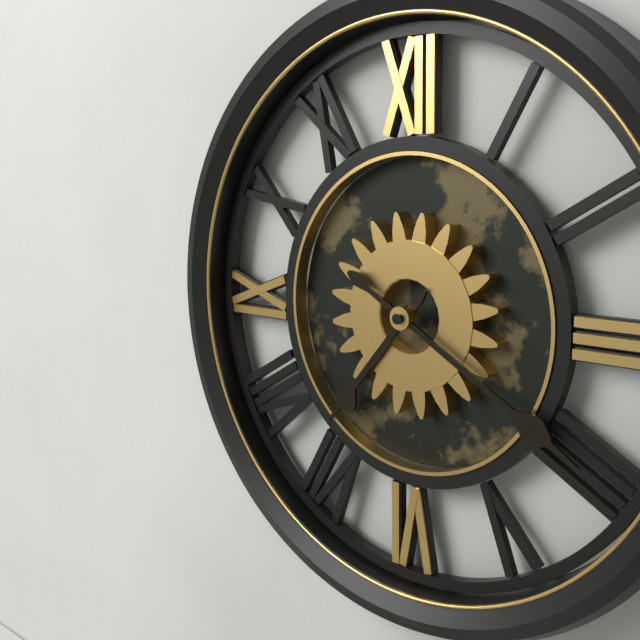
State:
7,20
